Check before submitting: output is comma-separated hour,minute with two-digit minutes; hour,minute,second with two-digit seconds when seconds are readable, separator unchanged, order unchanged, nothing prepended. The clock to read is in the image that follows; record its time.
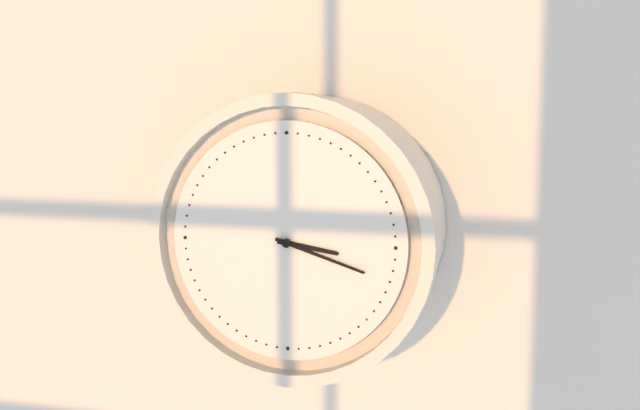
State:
3,18
